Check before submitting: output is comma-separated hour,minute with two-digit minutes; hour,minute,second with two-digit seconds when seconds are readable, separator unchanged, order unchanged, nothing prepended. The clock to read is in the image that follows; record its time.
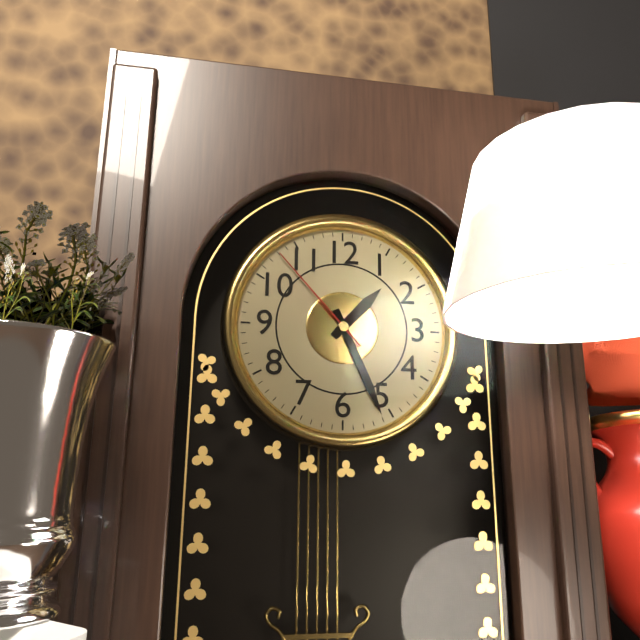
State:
1,26,53
